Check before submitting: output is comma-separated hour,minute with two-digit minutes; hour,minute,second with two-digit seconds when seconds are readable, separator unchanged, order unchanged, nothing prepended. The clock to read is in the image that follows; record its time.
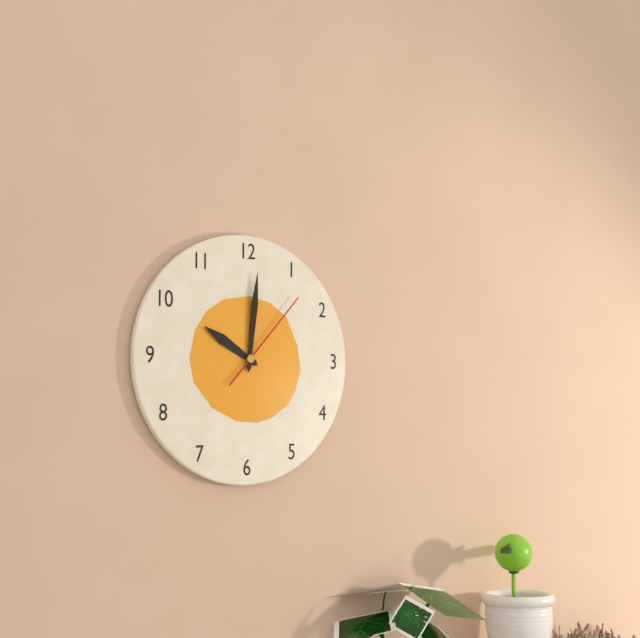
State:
10,01,07
